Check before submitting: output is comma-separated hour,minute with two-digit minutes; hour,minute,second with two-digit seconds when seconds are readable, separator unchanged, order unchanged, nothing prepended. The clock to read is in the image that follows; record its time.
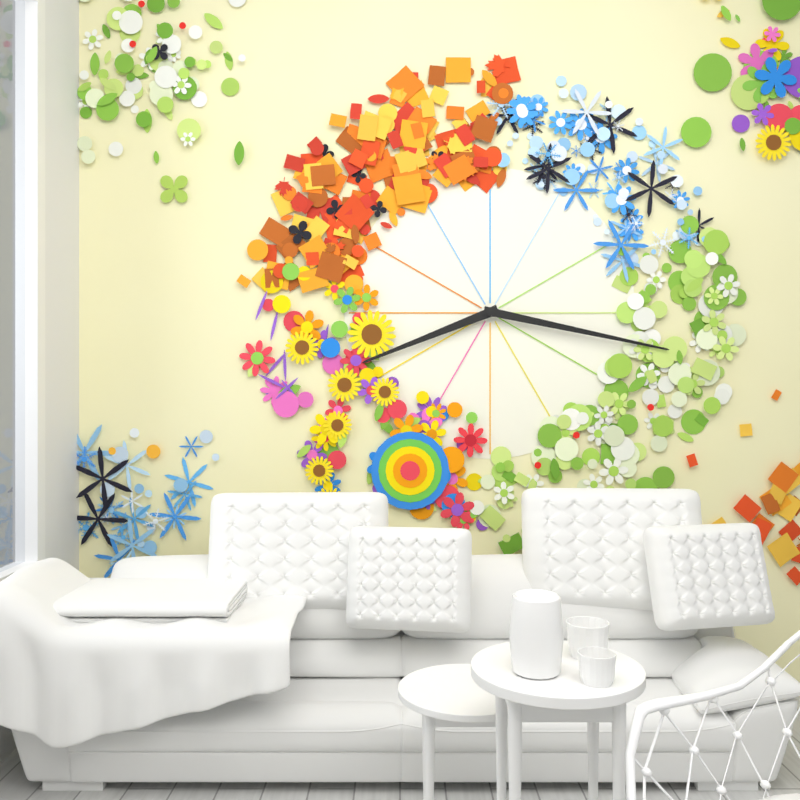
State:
8,17
